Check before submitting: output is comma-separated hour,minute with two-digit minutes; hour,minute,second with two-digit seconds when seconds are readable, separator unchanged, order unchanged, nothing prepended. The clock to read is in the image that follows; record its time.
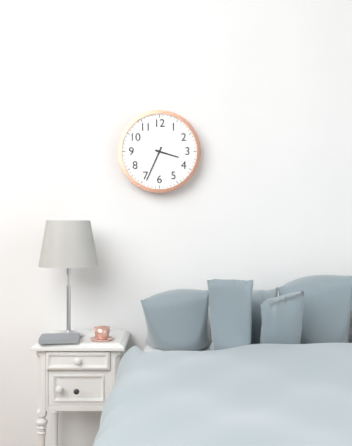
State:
3,34
